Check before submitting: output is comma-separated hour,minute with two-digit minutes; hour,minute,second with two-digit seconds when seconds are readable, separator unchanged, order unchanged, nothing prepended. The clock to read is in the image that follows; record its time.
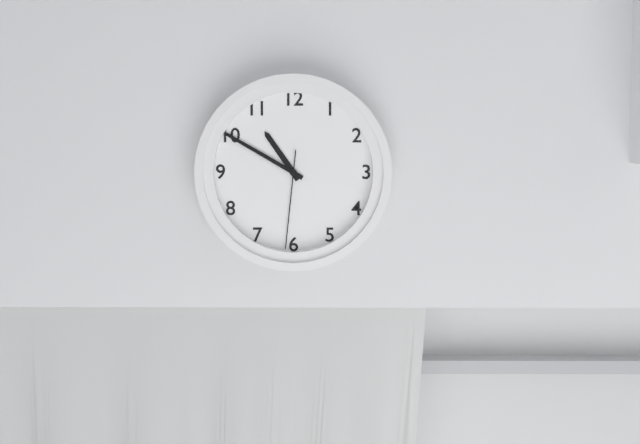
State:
10,50,31
